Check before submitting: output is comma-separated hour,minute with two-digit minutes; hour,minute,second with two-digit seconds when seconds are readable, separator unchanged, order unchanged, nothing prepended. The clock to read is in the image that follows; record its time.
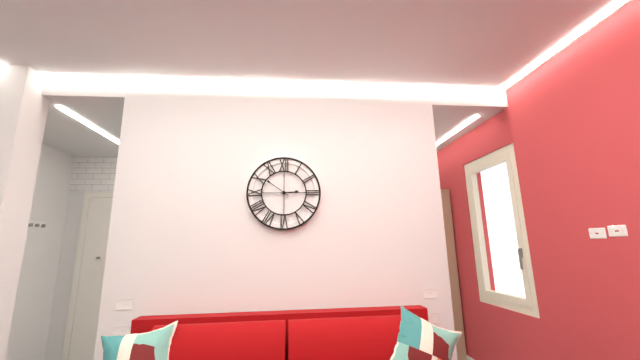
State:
2,51
